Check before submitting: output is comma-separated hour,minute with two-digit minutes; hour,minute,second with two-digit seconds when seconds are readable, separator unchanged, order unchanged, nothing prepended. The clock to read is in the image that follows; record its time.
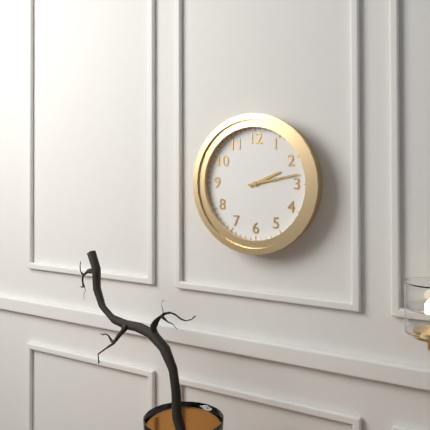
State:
2,13
